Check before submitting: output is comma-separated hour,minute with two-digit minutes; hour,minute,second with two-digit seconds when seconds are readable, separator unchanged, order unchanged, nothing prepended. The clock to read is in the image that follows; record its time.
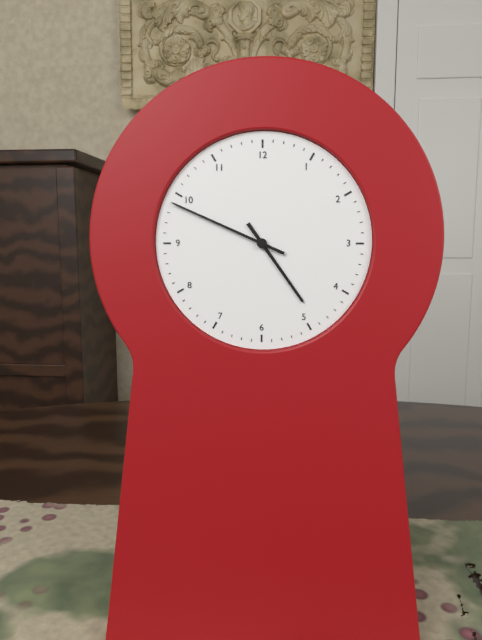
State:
4,49
